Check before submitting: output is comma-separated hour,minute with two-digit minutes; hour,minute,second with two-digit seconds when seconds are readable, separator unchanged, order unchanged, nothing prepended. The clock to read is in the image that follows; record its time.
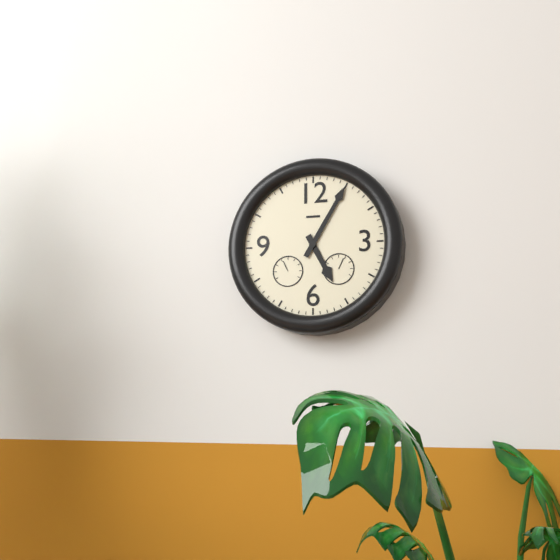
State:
5,05
